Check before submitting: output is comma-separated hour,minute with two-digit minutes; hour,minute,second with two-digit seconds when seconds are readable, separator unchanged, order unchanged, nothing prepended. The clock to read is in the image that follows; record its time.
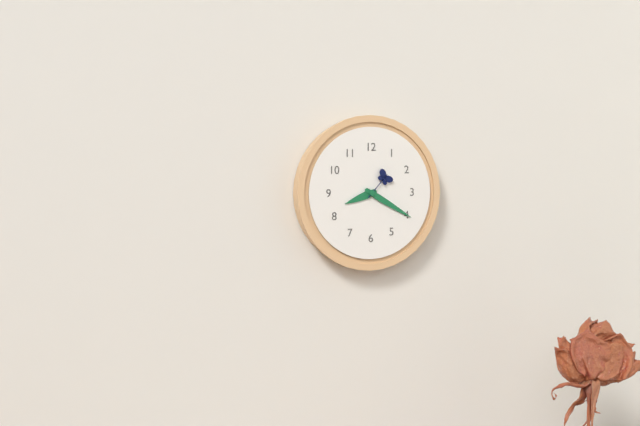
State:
8,20
